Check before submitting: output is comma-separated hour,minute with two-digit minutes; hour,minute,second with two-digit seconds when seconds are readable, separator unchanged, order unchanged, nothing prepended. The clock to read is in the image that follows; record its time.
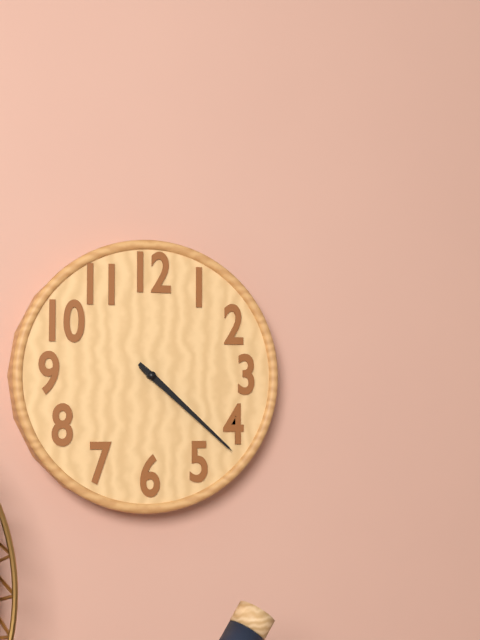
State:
4,22
